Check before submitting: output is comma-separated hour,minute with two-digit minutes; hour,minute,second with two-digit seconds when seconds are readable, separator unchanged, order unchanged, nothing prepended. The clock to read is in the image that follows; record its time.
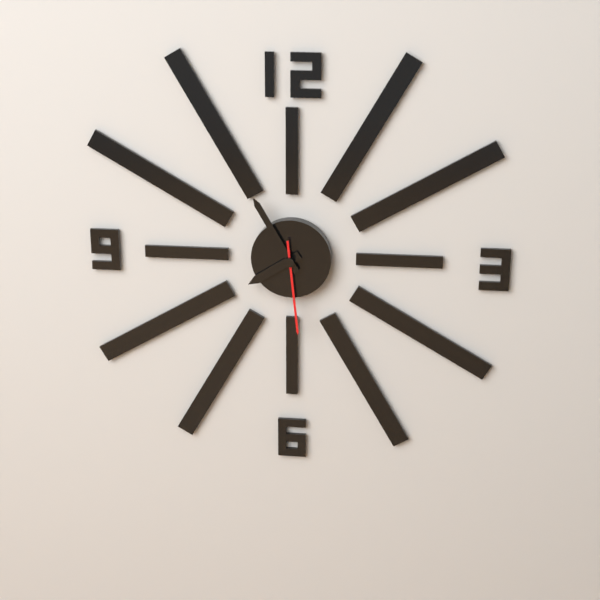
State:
7,55,29
